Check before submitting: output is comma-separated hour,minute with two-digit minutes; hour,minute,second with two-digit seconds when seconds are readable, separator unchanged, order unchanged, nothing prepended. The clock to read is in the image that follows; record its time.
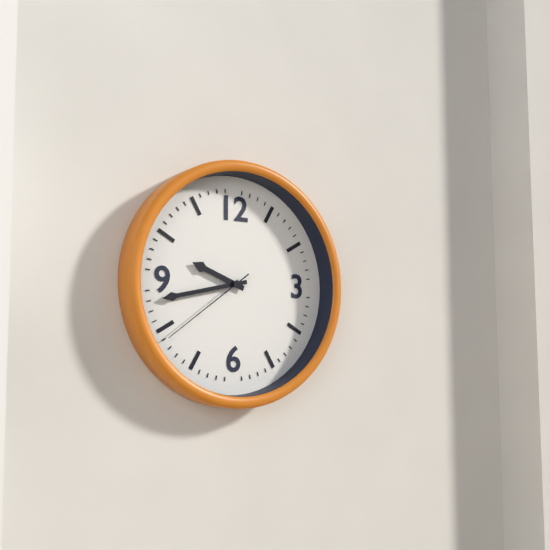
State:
9,43,39
